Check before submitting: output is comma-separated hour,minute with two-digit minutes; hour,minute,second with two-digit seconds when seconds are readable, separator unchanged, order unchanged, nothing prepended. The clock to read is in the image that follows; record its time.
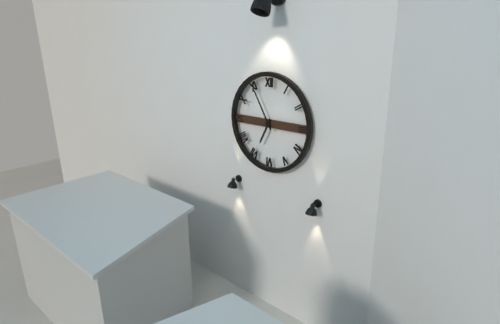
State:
6,55
